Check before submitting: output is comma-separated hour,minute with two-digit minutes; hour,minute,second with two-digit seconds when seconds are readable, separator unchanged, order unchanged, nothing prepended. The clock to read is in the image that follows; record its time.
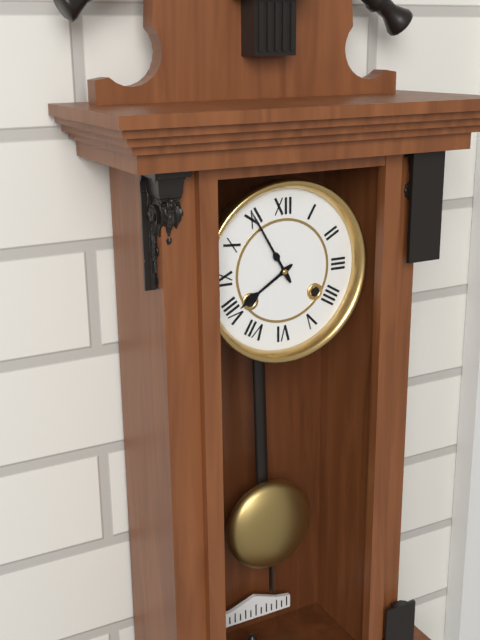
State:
7,55
